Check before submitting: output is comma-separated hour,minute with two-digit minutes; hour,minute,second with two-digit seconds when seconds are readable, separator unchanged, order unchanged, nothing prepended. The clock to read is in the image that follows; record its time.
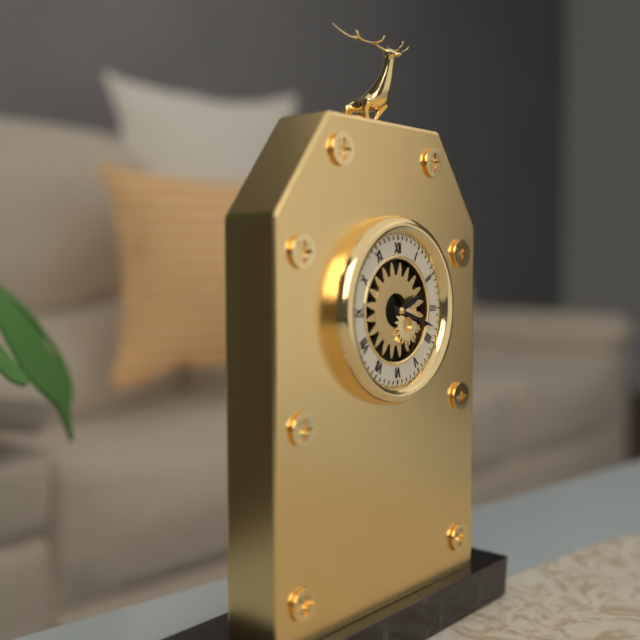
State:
2,18
